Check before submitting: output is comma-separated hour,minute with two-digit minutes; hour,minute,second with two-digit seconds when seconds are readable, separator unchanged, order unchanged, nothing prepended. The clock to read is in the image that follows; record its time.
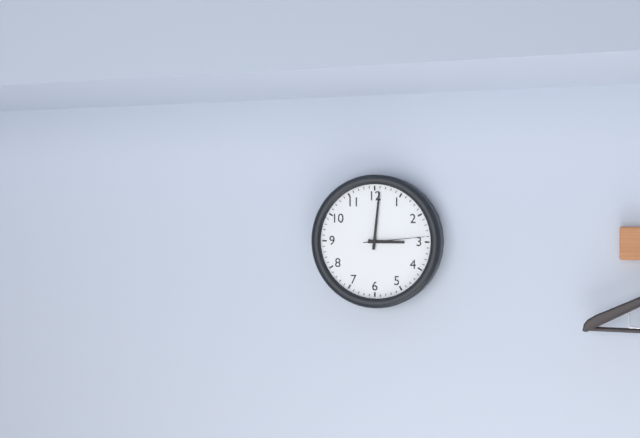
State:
3,01,14
